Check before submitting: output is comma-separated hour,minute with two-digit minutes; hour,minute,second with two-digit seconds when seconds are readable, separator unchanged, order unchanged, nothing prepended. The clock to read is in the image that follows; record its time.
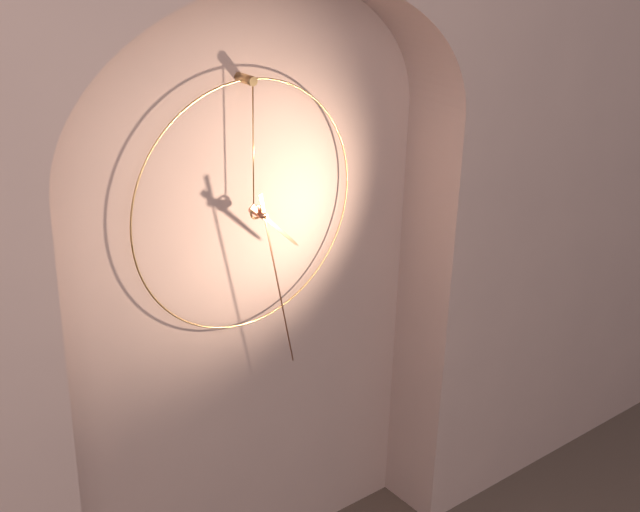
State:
4,28
